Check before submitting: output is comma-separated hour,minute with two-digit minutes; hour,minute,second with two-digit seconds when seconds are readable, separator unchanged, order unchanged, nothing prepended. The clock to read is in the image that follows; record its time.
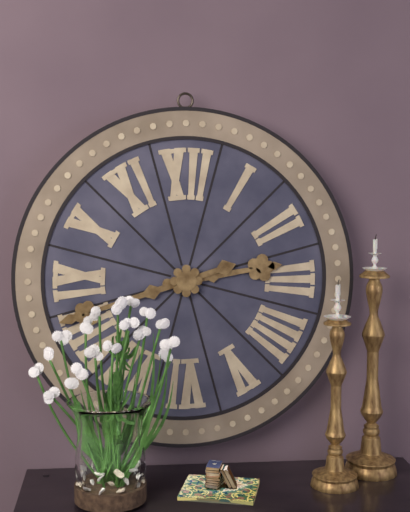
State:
2,42
